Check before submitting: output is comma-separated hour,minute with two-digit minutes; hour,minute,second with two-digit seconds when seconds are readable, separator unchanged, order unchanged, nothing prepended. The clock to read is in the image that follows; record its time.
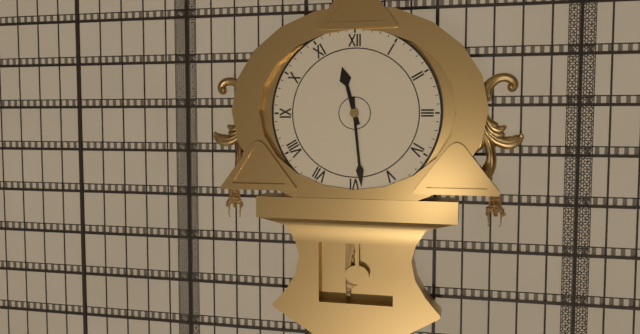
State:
11,29
